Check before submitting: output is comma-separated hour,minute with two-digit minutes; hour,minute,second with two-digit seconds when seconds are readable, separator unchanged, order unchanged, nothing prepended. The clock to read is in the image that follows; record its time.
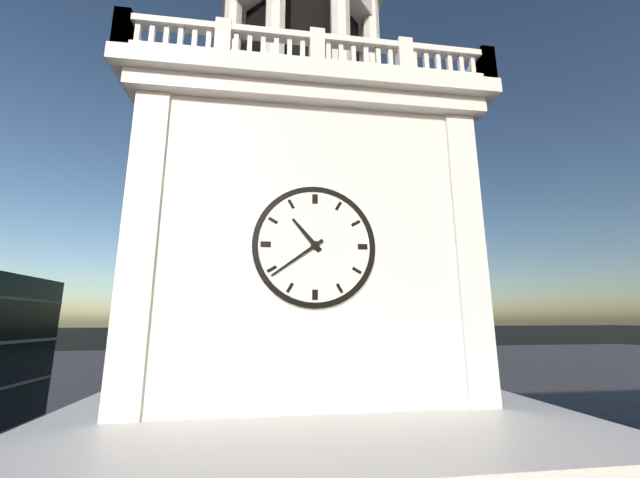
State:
10,39
